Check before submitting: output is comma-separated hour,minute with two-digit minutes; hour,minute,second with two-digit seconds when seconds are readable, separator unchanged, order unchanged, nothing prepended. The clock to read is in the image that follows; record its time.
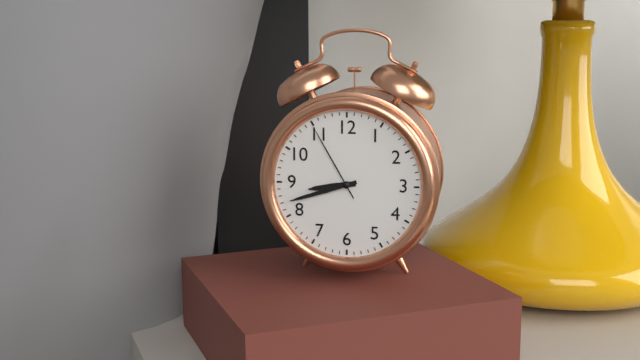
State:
8,42,55
